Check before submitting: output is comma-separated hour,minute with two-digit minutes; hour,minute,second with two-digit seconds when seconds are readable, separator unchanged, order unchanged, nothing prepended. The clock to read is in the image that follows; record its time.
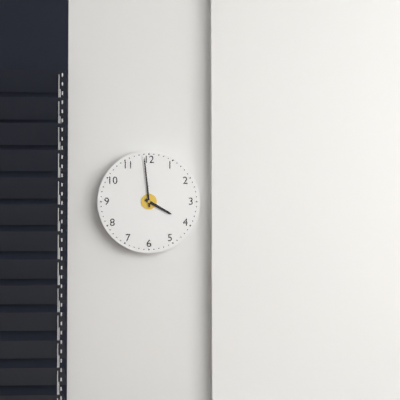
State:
3,59
